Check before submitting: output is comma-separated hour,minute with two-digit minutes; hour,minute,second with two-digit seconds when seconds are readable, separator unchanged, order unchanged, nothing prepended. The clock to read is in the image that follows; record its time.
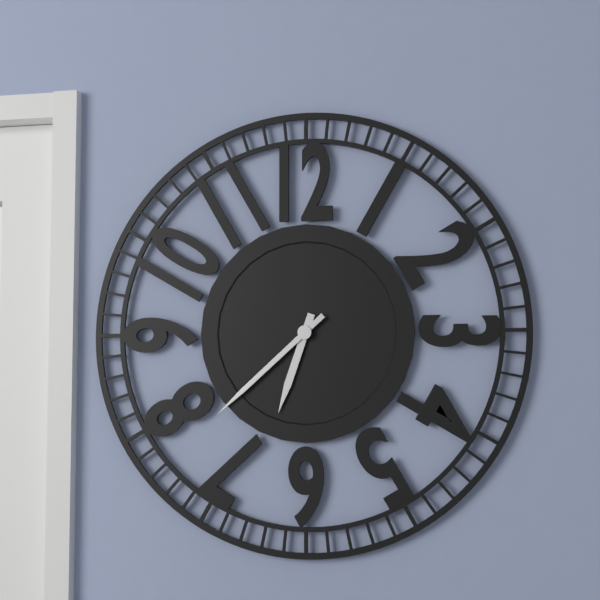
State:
6,38
